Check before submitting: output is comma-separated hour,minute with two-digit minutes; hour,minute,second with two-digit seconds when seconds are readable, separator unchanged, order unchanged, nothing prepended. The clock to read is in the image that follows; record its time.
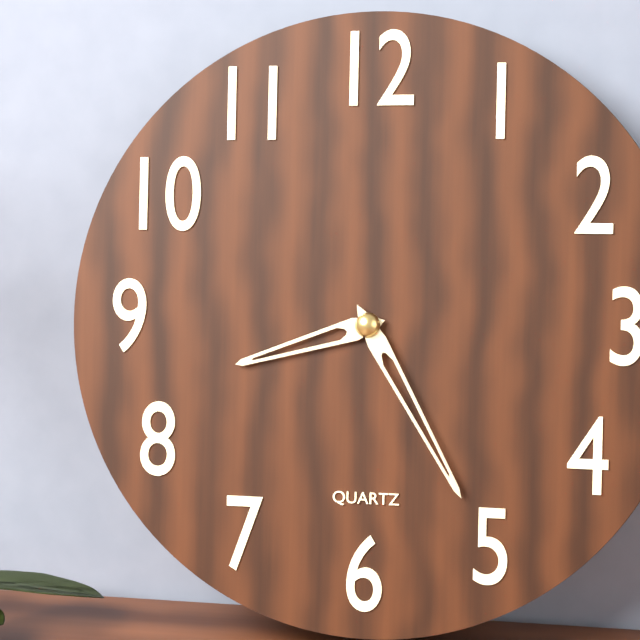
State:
8,25
